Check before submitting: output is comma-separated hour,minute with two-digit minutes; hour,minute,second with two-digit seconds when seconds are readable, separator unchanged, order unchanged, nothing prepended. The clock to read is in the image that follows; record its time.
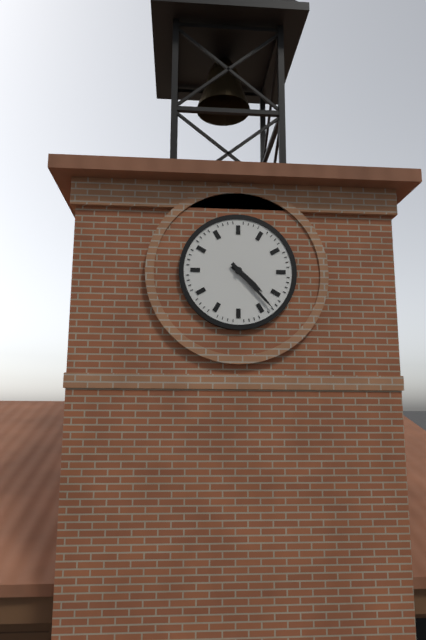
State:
4,23
